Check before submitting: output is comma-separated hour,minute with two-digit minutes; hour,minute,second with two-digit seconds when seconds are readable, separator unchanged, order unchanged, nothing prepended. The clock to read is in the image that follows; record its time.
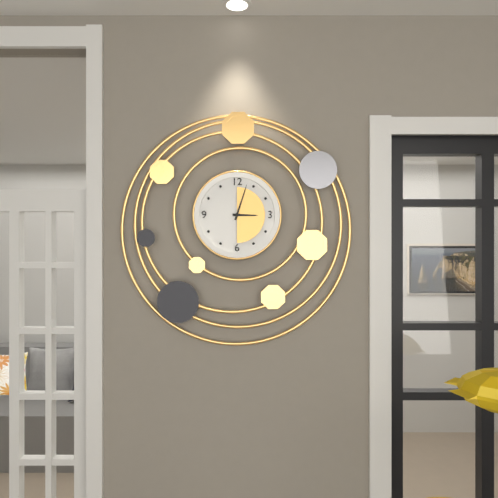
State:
3,03
